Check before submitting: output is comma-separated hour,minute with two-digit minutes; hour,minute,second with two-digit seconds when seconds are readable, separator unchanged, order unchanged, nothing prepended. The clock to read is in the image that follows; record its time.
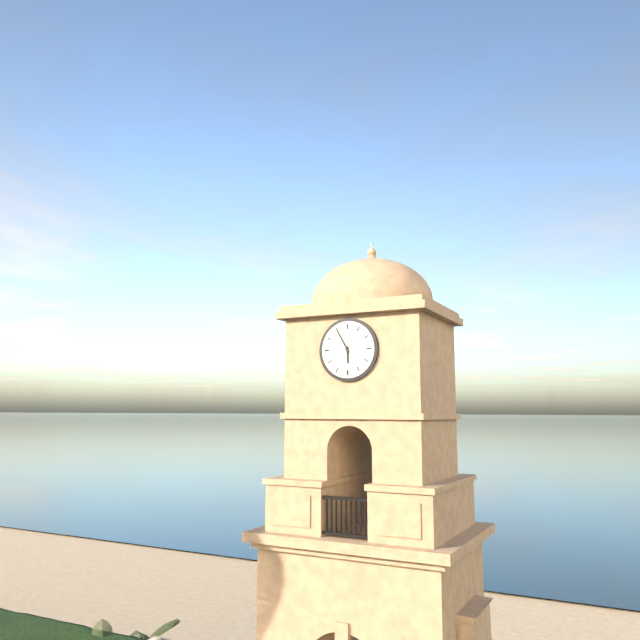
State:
5,55
